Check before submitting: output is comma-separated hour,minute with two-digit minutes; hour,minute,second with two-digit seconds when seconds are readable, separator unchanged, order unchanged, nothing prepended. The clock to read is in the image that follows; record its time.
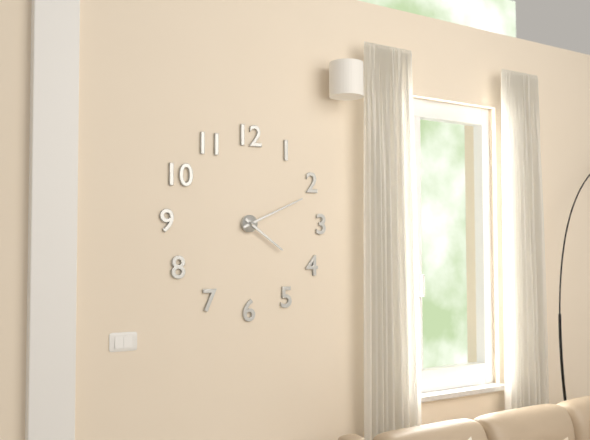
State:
4,11
